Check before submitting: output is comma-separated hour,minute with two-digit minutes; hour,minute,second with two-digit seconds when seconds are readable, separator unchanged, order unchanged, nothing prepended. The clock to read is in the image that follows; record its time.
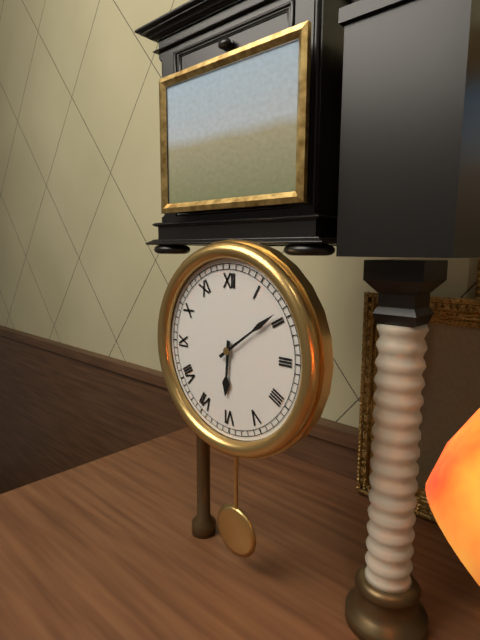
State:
6,09
